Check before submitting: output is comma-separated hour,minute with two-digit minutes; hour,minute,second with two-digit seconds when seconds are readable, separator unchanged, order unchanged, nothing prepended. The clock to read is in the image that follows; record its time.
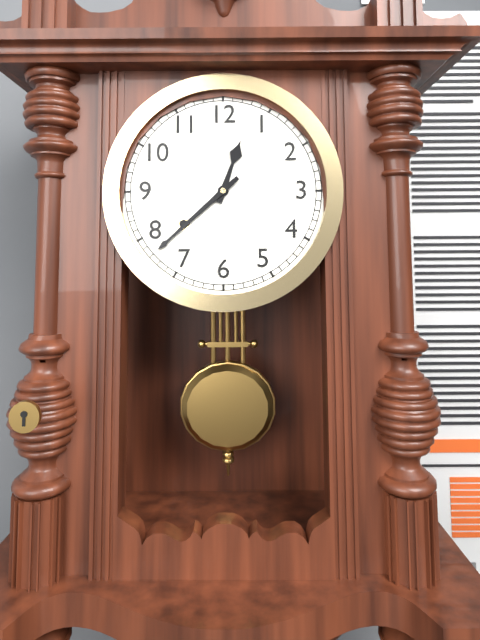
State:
12,38
